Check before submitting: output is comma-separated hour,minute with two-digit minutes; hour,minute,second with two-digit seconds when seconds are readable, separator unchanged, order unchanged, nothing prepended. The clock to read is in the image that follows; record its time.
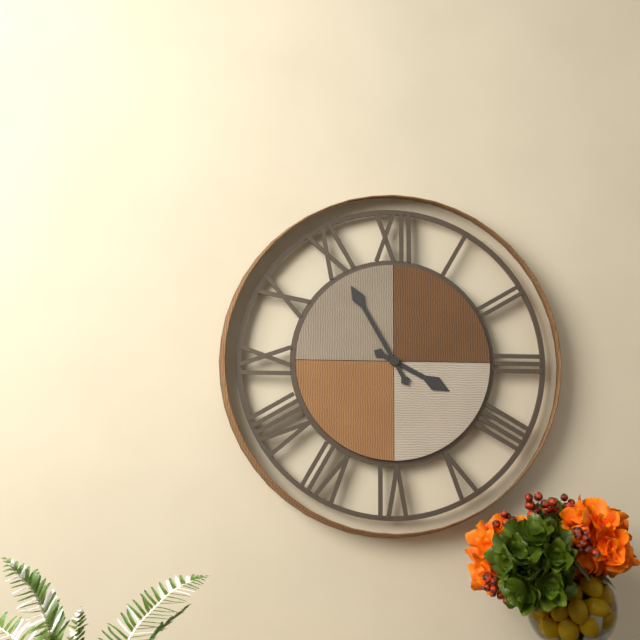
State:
3,55
